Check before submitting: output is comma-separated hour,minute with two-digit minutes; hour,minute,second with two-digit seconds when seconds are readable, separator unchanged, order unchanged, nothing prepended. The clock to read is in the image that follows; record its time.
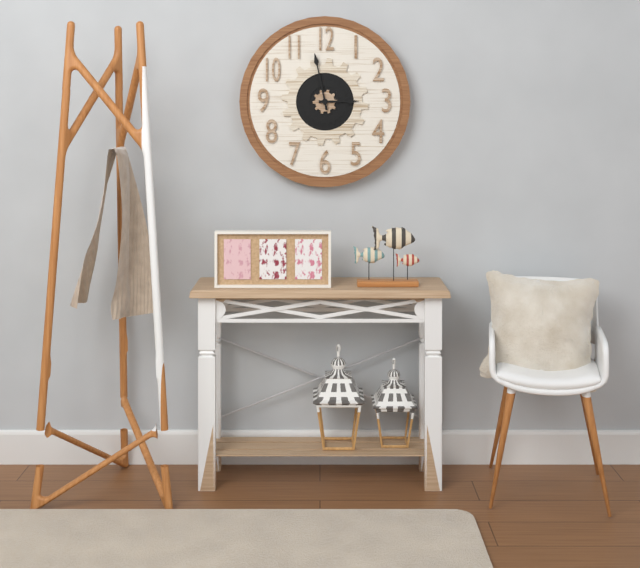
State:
2,58
